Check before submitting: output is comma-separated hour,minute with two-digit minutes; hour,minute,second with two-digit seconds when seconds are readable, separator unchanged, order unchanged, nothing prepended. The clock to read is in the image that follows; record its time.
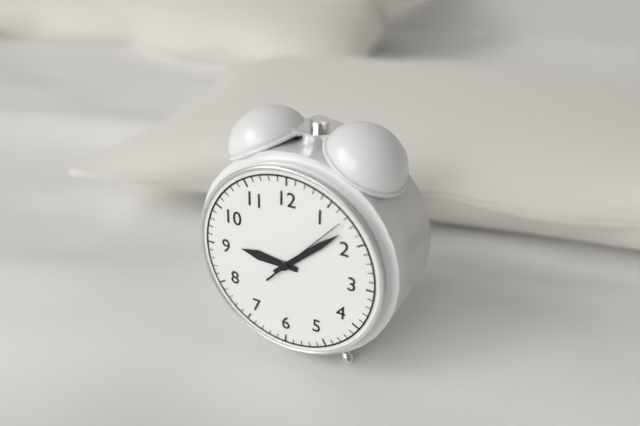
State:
9,08,07
